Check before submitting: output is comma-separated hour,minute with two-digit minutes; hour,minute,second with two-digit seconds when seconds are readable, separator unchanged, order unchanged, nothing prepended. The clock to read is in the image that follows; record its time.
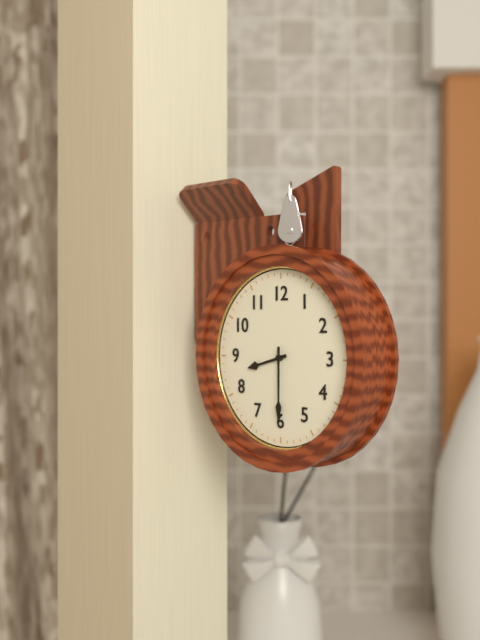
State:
8,30
